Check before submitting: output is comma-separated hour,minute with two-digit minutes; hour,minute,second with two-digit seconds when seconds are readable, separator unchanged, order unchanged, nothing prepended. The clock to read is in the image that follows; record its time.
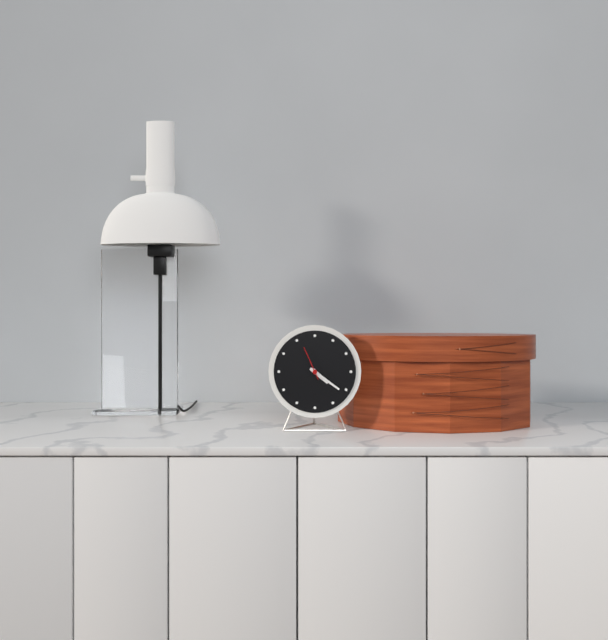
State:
4,21
